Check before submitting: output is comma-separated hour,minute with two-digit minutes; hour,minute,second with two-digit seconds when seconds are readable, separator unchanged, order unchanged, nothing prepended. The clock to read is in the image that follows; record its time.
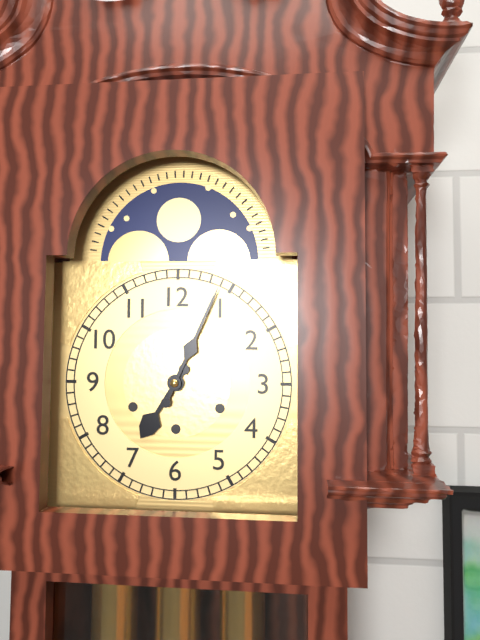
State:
7,04
